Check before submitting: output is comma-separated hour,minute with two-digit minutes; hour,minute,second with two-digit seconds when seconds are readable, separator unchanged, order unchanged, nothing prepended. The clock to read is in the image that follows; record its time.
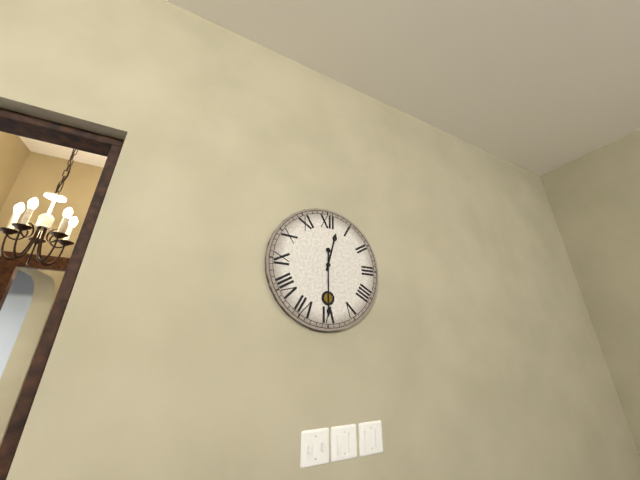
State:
12,30
